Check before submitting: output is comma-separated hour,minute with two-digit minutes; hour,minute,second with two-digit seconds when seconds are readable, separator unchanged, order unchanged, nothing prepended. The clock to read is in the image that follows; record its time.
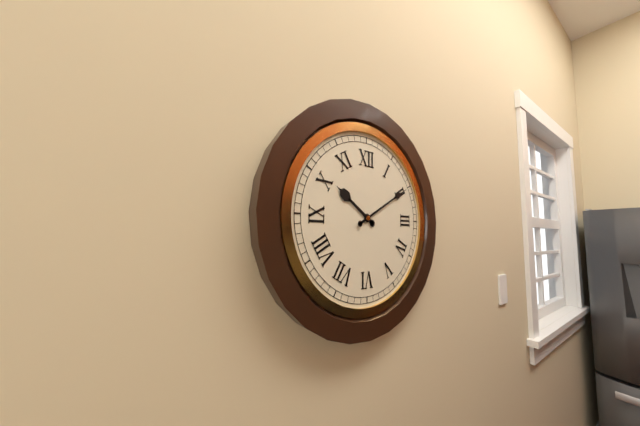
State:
10,10
